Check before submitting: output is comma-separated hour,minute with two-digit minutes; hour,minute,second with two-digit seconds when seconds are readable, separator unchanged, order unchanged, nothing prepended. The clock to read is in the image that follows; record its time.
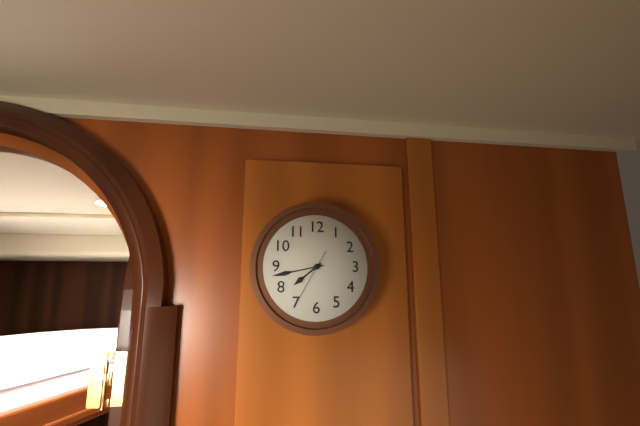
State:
7,43,35
